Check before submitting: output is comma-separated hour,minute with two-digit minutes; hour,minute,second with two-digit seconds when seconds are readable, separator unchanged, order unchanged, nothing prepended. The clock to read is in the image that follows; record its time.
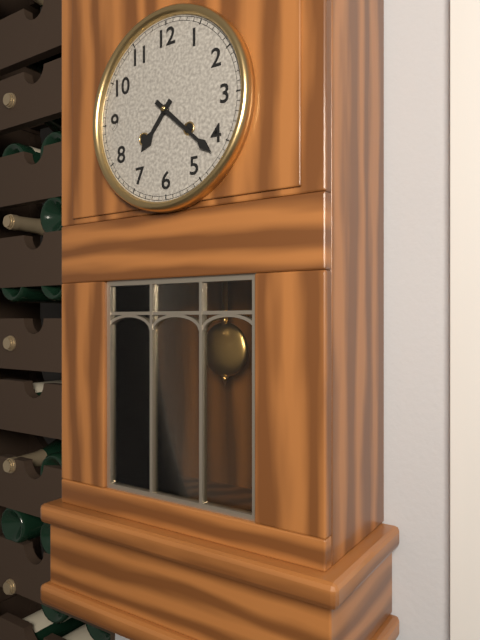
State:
7,22
